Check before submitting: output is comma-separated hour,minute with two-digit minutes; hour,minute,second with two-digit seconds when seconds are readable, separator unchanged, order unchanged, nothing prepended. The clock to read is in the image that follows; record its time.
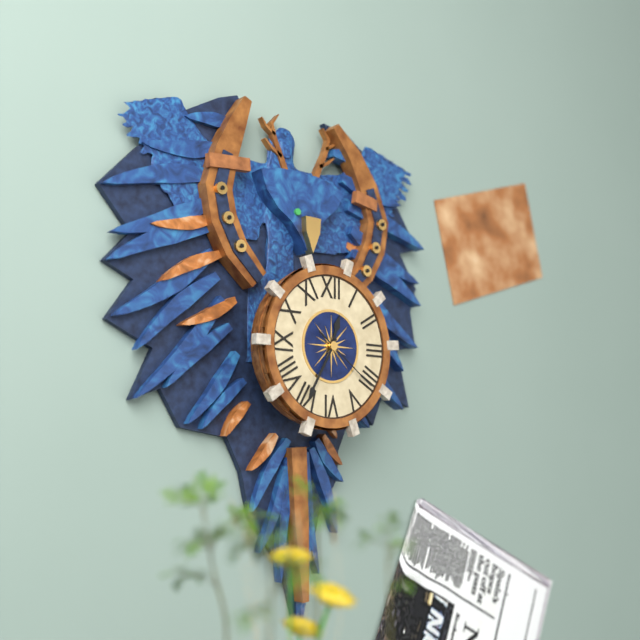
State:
12,35,21
